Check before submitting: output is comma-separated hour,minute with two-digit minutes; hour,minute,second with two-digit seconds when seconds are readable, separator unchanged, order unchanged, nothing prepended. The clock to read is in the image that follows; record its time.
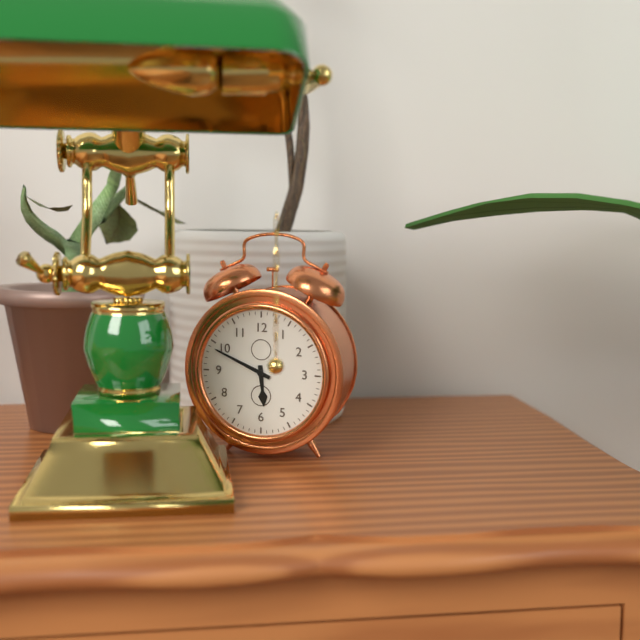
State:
5,49
